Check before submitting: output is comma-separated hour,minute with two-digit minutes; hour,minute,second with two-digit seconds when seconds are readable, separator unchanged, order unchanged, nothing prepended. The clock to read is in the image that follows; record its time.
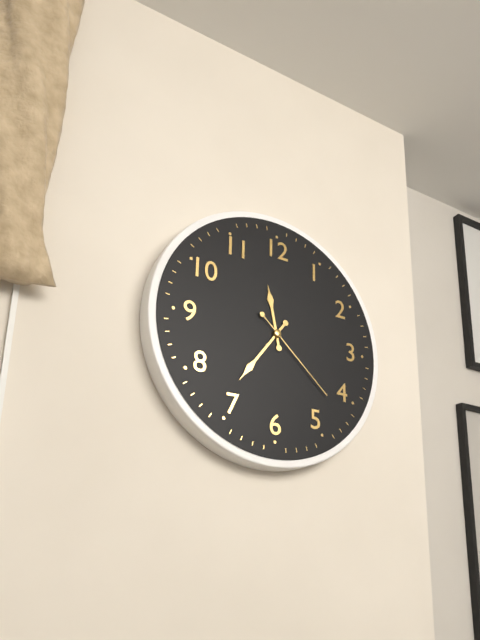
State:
11,36,22
